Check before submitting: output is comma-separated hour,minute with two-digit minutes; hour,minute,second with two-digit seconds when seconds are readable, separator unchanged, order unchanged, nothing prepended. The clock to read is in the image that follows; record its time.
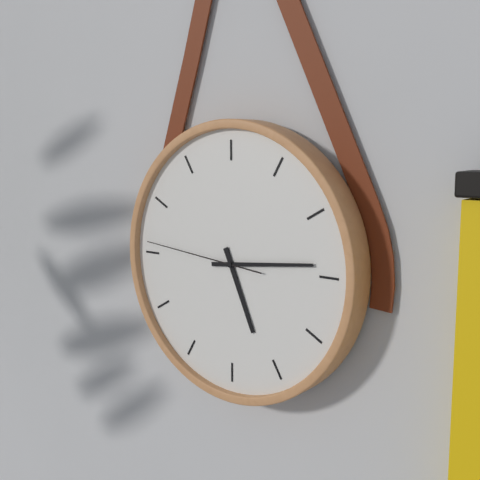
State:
5,14,46
